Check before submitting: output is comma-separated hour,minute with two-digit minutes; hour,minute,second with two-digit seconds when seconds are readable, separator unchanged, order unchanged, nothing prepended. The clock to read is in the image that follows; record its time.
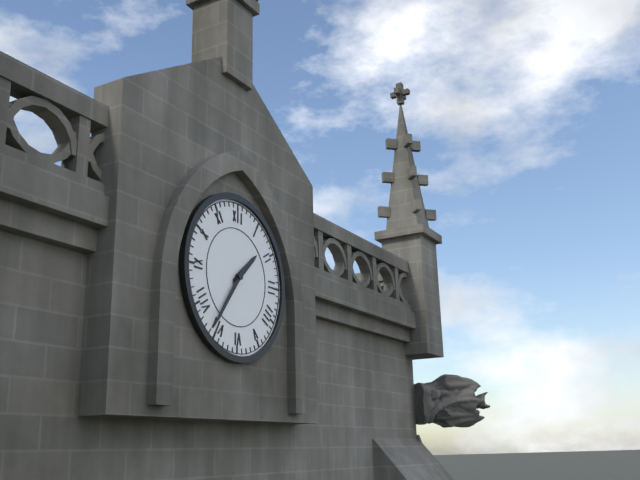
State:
1,36
